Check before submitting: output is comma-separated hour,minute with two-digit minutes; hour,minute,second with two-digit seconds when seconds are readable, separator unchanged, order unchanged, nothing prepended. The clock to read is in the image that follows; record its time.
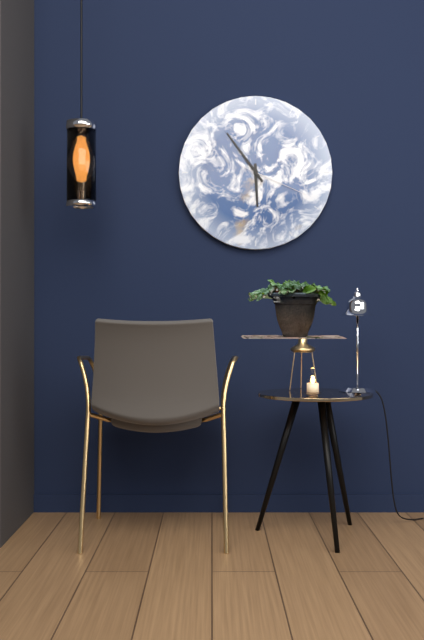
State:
5,54,19
